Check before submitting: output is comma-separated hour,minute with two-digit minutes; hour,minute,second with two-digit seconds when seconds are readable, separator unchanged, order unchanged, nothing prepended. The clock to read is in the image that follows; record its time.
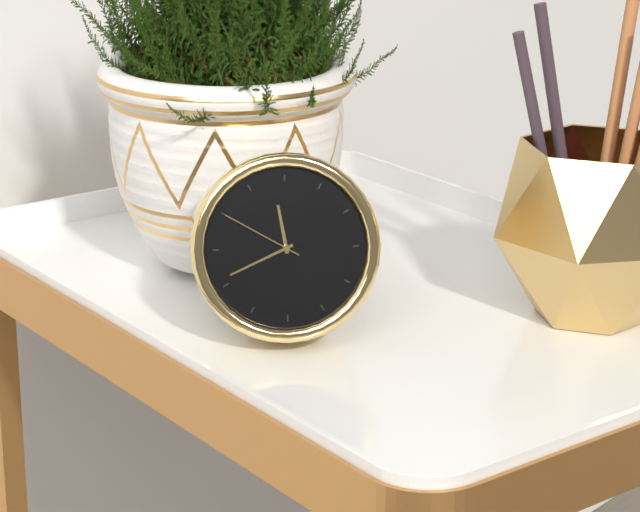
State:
11,41,50
